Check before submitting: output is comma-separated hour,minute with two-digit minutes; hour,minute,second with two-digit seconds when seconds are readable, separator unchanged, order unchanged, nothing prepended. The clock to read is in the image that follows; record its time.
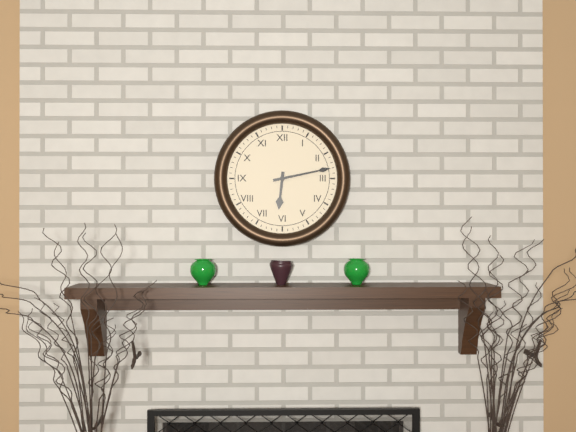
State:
6,13
